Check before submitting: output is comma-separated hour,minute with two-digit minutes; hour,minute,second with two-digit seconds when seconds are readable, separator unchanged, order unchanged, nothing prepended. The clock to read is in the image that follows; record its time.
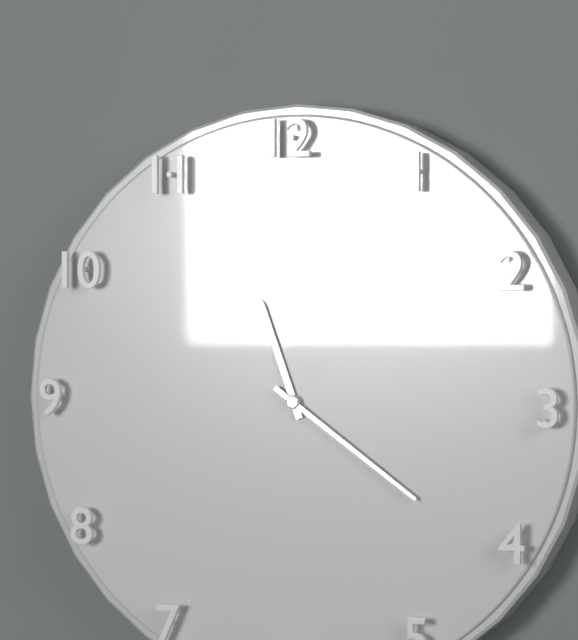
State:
11,21
